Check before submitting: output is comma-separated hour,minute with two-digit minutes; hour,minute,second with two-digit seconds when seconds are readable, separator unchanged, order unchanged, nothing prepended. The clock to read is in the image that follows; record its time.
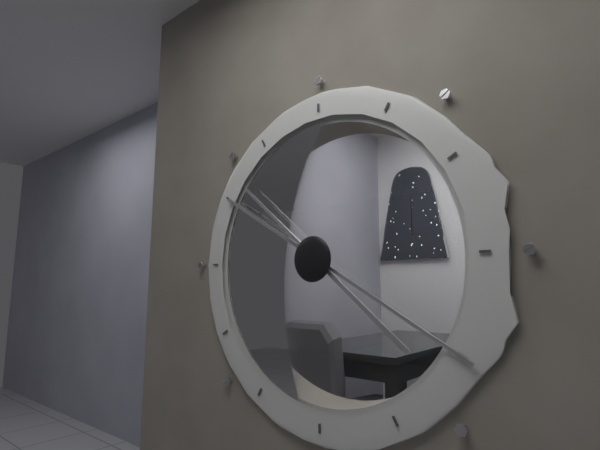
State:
10,20
